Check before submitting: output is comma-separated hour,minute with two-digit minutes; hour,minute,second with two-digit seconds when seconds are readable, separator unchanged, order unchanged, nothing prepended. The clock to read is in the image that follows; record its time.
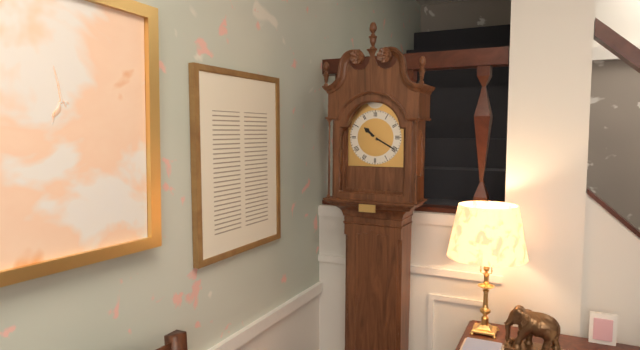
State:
10,20
